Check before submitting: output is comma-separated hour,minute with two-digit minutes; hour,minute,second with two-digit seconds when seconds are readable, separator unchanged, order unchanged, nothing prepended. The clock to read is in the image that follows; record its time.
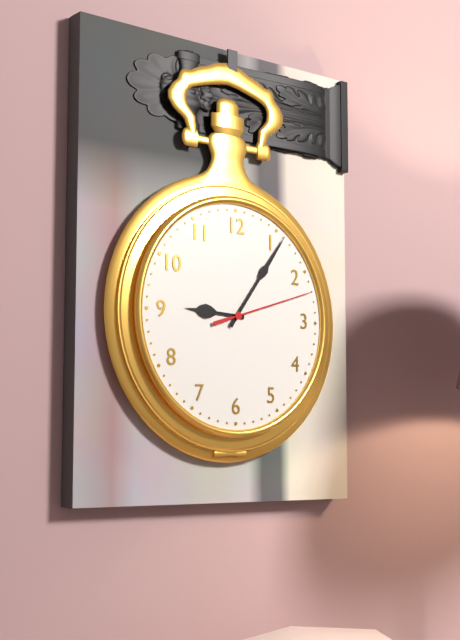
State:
9,06,12
